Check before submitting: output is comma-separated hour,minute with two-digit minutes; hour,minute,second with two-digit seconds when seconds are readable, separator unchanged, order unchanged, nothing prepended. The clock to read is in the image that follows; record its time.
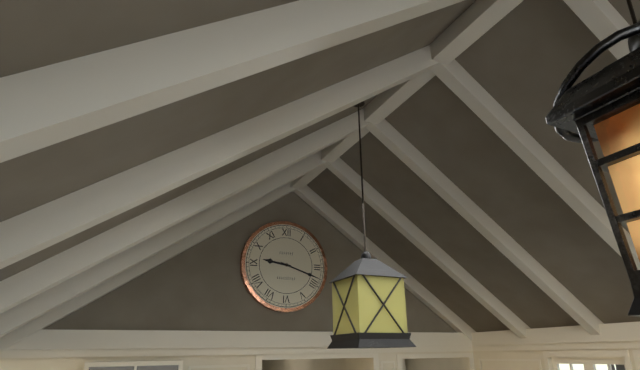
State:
9,18
